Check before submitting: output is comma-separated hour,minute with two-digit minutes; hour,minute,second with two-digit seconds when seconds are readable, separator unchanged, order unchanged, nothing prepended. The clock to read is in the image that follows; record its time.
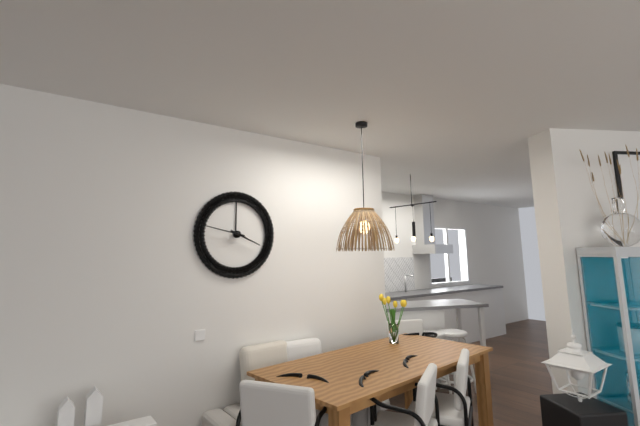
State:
3,47
